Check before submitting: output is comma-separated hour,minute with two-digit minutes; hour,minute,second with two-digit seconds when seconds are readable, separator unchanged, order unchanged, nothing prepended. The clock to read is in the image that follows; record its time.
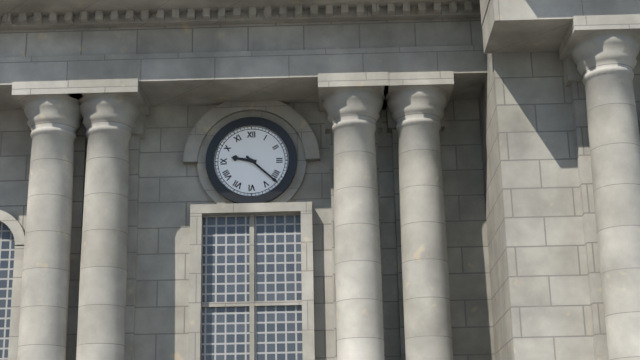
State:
9,22
